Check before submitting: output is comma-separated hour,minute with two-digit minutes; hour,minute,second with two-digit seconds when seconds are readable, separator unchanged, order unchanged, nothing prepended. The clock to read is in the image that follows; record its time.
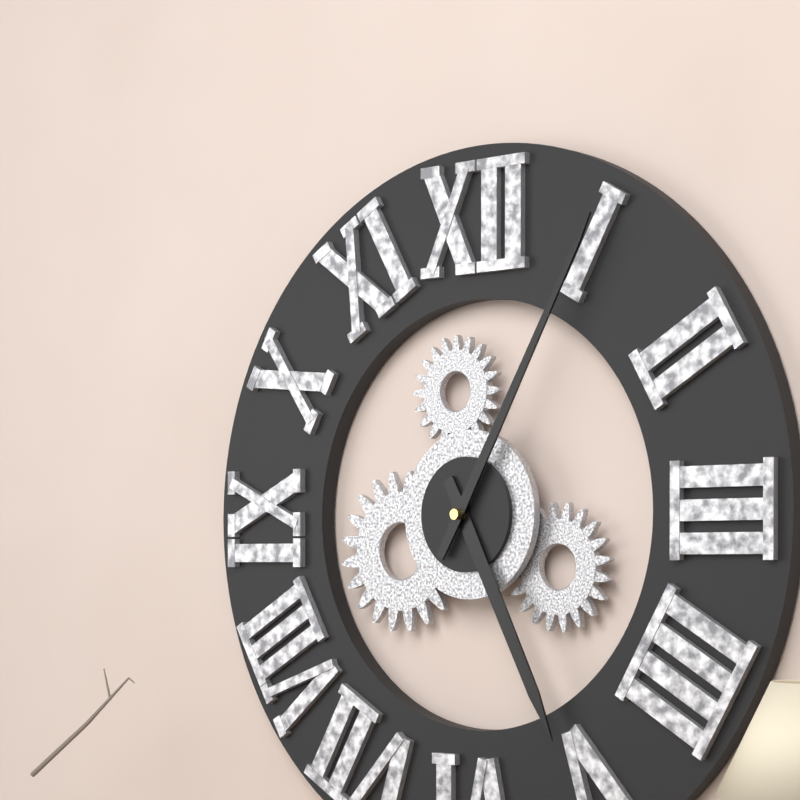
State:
5,05
